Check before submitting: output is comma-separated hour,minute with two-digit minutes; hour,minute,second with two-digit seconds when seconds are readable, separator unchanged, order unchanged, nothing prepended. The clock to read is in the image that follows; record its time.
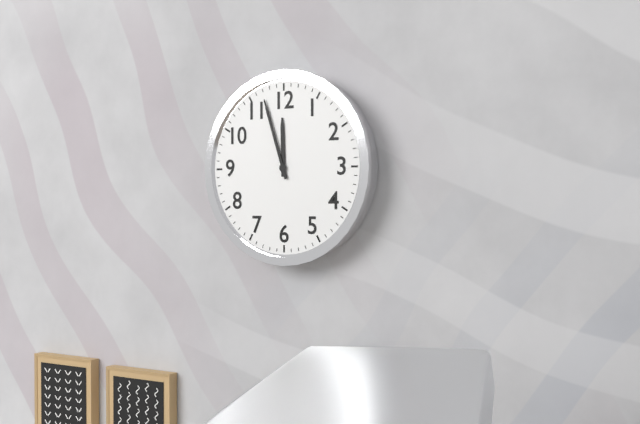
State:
11,57
